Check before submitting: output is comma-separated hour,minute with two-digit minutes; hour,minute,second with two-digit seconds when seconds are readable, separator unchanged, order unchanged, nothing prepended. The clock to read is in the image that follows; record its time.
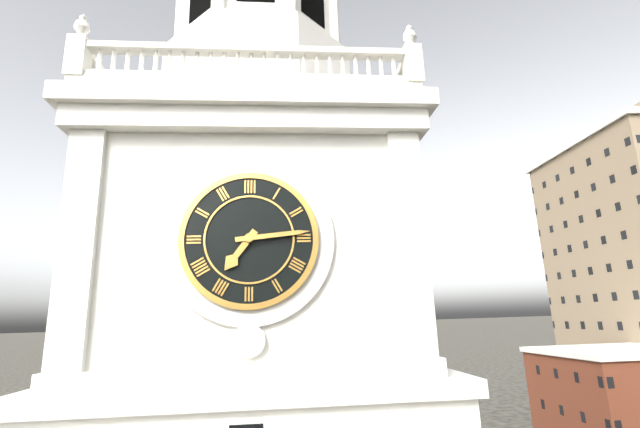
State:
7,14
